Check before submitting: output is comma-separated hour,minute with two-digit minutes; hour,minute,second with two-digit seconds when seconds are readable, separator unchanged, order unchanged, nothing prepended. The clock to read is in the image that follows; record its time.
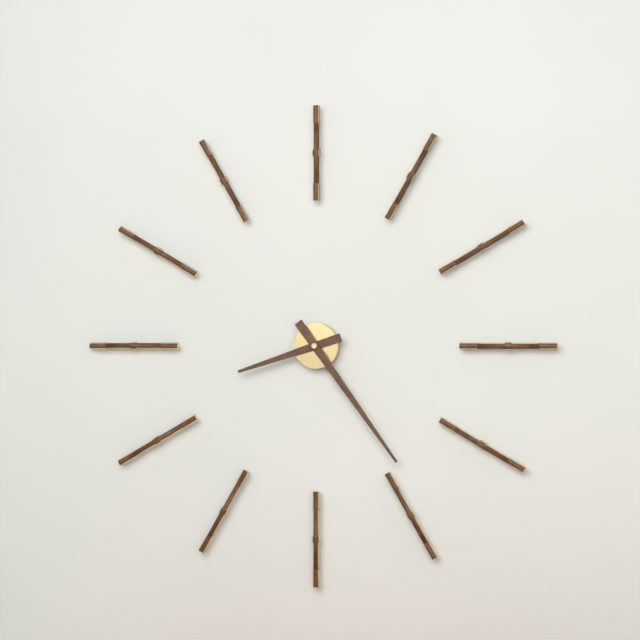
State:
8,24
